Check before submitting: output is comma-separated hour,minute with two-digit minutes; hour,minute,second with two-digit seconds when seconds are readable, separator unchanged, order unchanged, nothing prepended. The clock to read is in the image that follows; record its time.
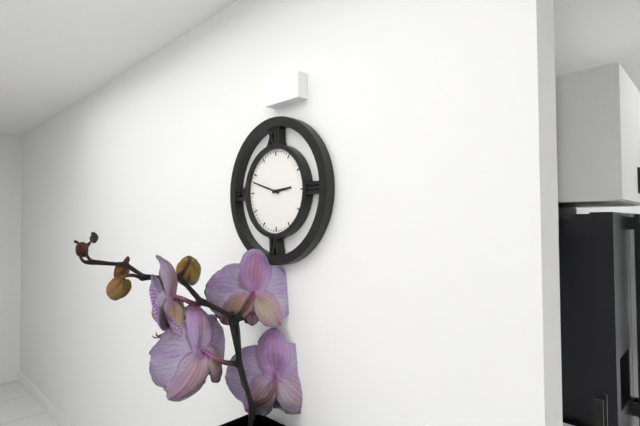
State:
2,48
